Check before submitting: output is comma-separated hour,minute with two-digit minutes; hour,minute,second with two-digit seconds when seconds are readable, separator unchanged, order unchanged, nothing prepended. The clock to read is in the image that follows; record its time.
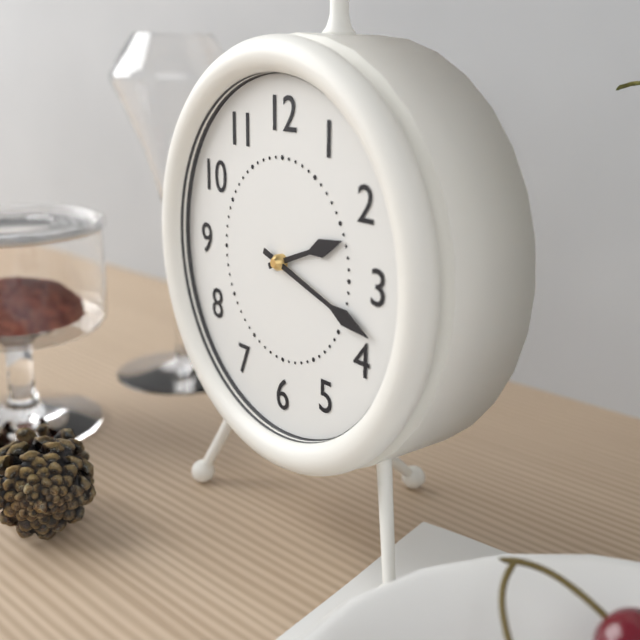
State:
2,18
